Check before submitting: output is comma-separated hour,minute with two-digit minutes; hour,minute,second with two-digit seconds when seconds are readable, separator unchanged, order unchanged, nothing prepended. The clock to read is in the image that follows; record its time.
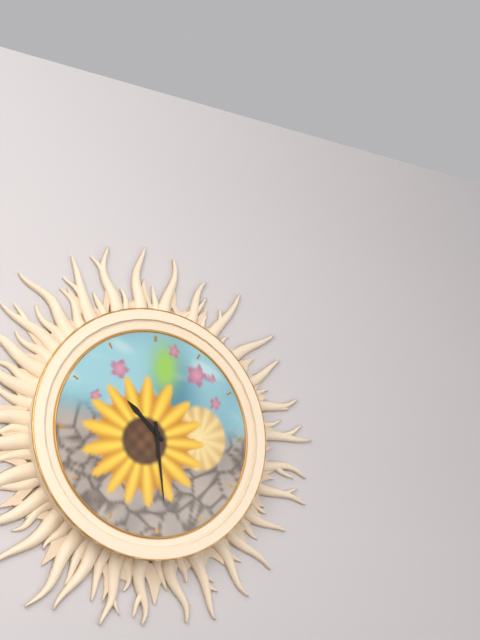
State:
10,29
